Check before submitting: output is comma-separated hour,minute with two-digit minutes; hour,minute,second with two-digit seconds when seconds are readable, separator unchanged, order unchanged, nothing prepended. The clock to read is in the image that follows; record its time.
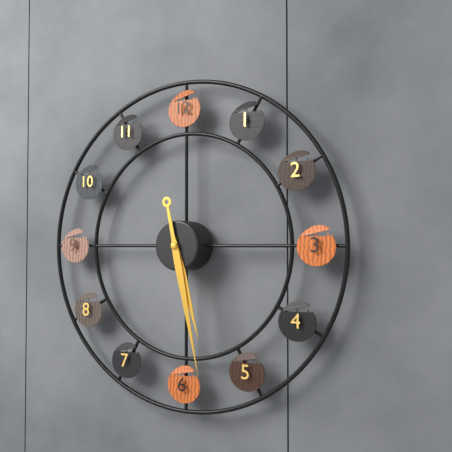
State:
5,28
